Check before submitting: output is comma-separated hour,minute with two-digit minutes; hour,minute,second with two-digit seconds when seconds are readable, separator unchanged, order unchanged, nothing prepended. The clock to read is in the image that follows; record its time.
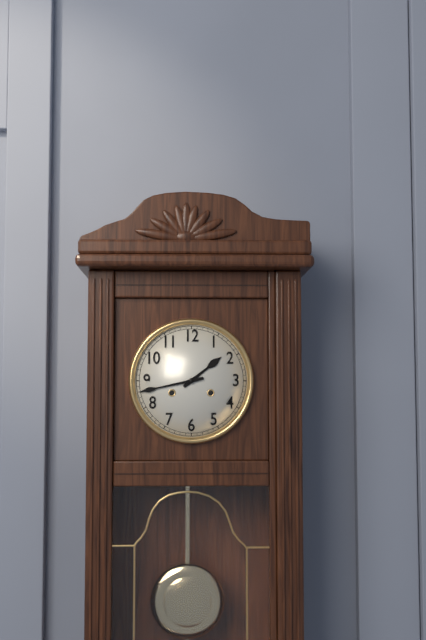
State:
1,43
